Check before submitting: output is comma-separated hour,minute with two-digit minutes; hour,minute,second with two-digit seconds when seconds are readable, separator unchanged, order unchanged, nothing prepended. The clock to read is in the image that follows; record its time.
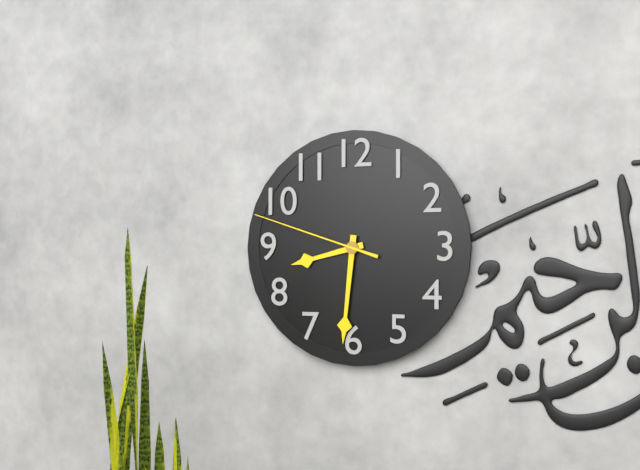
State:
8,31,48
